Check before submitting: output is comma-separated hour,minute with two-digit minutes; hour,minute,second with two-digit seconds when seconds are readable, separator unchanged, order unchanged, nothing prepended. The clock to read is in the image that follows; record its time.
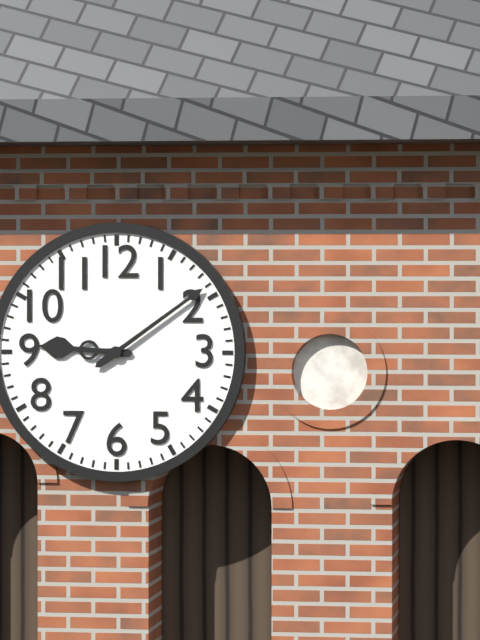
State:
9,09
